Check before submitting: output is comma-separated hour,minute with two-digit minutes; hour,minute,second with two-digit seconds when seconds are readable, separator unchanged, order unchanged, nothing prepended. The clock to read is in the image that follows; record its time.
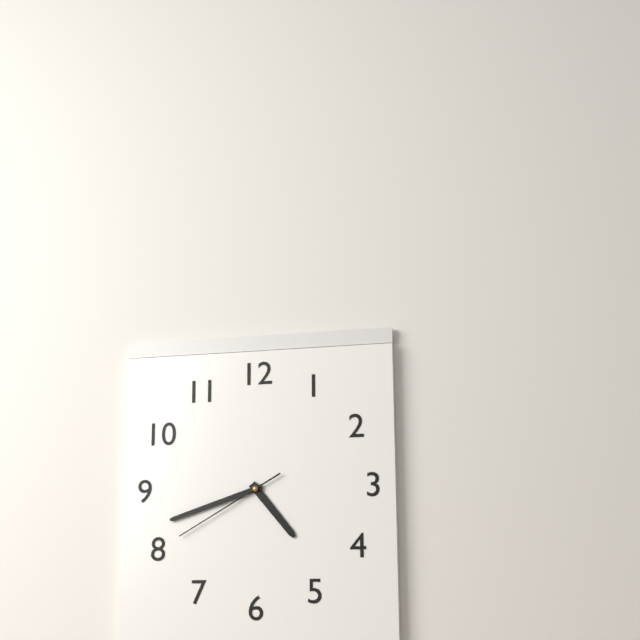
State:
4,42,40
